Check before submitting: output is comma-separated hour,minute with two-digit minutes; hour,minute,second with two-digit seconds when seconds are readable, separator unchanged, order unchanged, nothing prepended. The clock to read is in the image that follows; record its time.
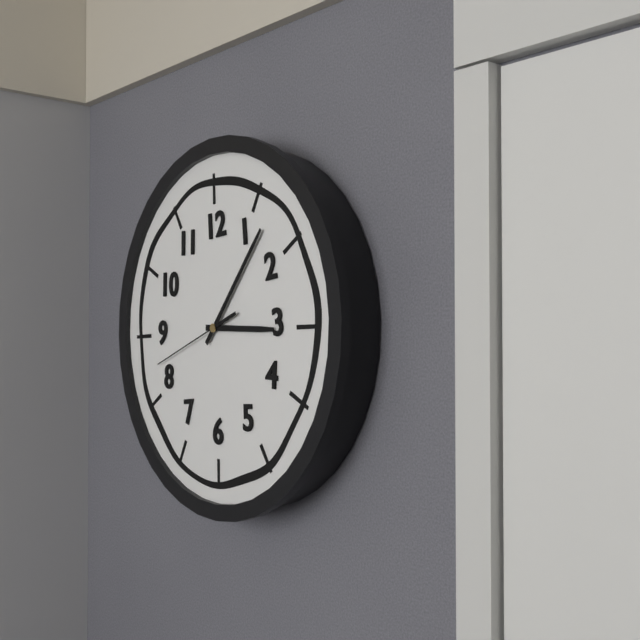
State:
3,07,42
